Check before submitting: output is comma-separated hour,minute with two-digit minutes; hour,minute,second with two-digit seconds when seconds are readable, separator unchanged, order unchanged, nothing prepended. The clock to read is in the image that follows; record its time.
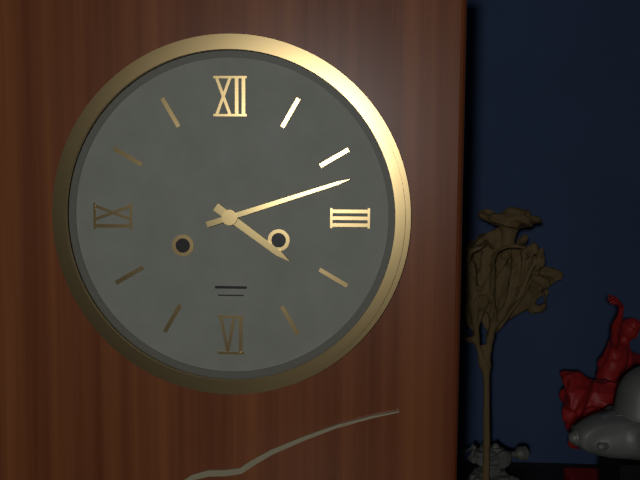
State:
4,12
